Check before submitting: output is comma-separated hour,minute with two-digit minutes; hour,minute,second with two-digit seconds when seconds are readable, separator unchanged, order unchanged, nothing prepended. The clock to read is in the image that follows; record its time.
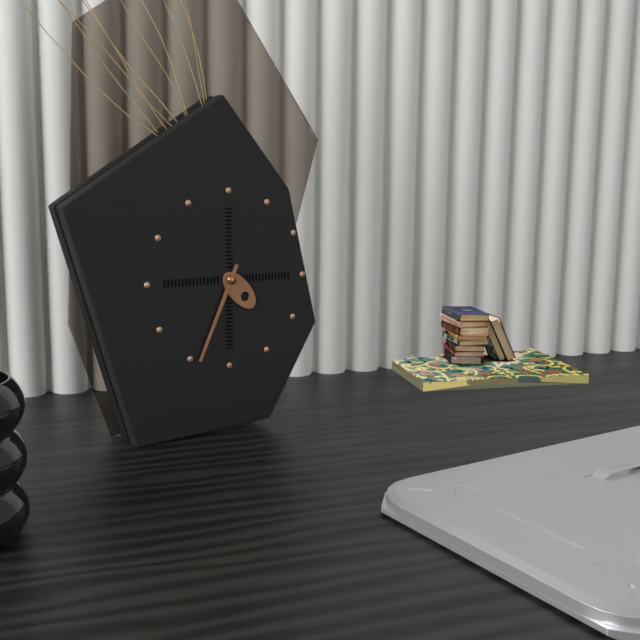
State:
4,34
